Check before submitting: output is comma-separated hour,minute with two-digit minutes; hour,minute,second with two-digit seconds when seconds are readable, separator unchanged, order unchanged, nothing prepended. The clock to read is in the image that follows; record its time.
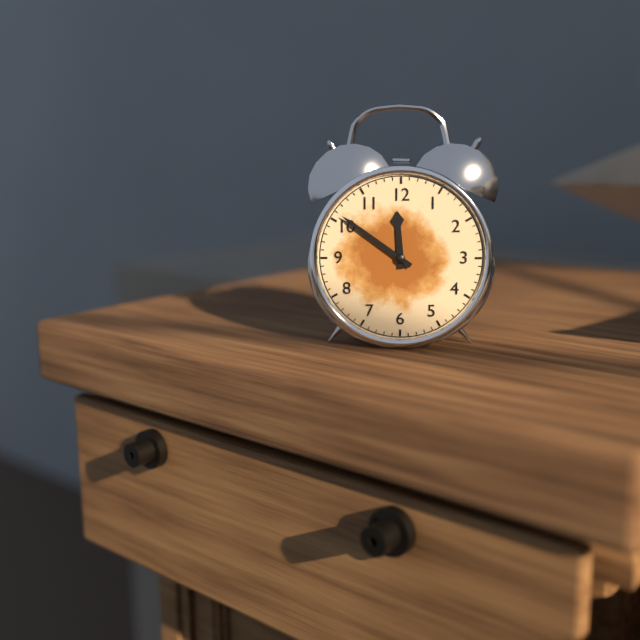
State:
11,51
